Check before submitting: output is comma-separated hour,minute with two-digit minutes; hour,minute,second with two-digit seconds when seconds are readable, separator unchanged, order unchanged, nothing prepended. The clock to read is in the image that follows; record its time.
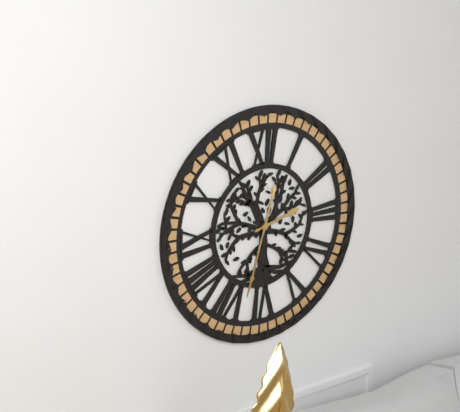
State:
2,33
